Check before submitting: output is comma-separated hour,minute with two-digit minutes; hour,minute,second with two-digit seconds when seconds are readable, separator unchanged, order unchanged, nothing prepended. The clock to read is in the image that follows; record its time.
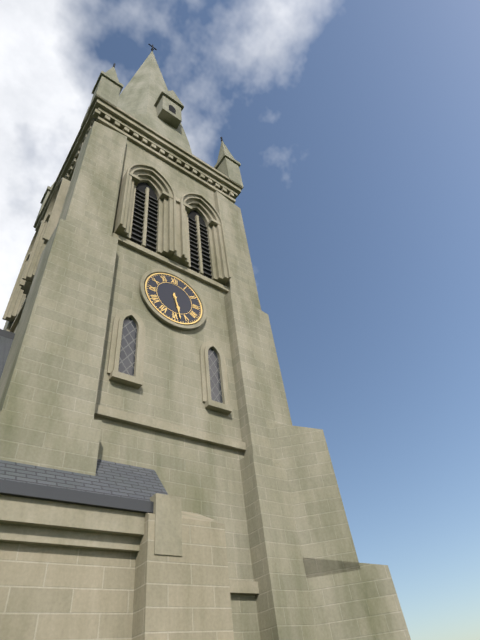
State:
5,28
